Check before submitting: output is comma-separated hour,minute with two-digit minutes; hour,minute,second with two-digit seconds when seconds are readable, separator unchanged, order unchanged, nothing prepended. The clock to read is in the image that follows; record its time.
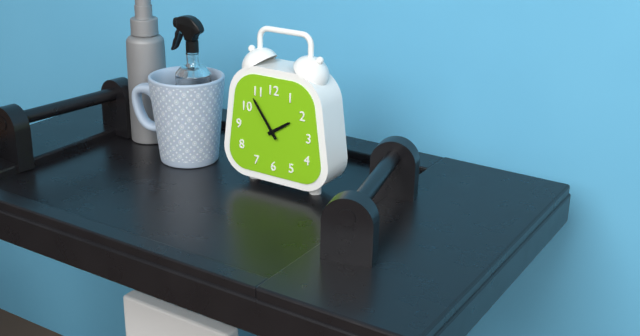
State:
1,54
